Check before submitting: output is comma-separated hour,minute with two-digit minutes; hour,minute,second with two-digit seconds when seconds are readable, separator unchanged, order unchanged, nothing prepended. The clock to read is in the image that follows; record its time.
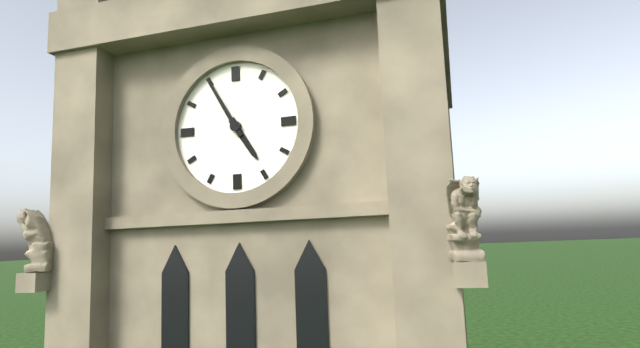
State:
4,55
